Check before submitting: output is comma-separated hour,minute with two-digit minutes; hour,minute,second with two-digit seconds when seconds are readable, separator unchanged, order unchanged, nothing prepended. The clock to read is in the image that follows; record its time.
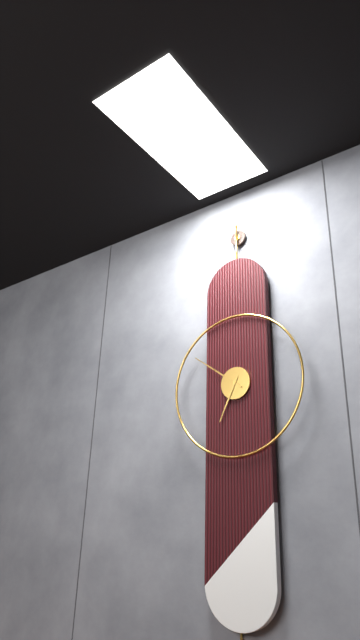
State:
6,51
